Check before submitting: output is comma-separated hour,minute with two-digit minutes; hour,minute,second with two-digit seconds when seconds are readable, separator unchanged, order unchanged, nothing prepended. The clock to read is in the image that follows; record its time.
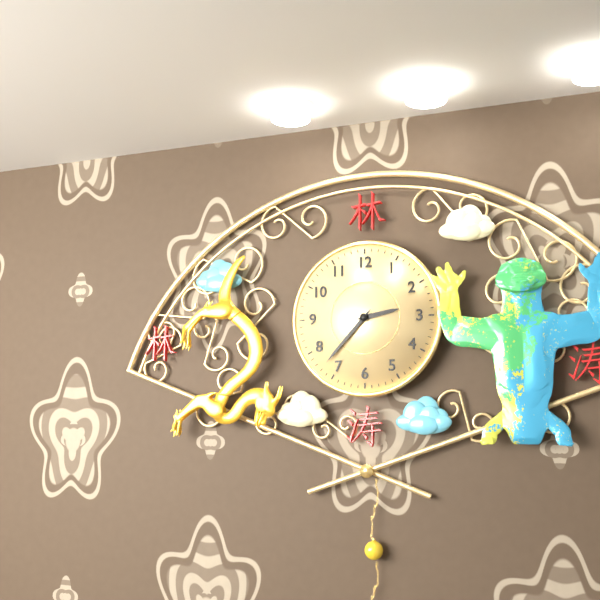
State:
2,37
